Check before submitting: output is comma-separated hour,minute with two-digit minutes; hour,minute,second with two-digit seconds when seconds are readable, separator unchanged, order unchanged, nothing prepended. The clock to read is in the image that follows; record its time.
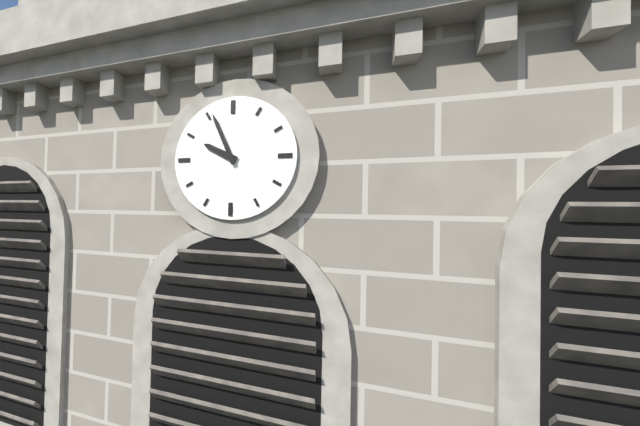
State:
9,56
